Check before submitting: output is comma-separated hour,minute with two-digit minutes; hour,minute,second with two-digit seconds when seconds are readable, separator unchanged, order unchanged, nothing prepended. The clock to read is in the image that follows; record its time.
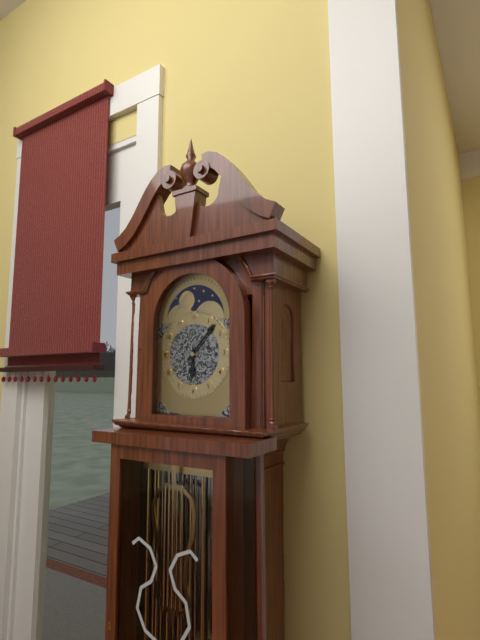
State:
6,07
